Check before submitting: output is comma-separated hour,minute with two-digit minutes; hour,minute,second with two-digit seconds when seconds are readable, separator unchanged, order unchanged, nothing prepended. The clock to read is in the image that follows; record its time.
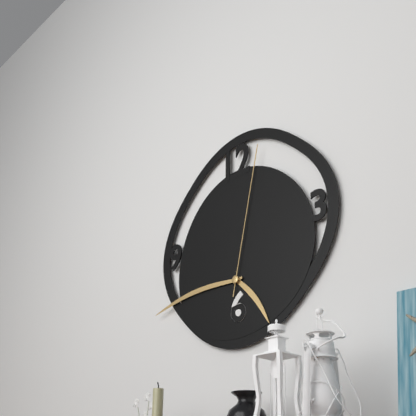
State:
4,44,02
